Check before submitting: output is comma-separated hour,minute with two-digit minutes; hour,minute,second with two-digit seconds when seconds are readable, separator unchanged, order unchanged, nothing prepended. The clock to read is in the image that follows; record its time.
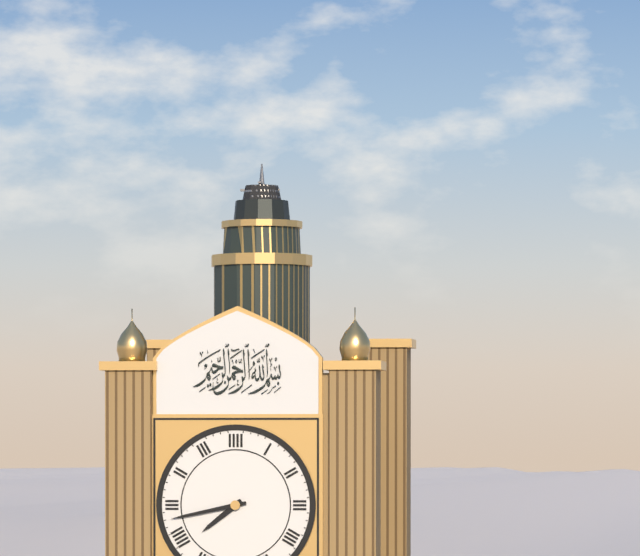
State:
7,43
